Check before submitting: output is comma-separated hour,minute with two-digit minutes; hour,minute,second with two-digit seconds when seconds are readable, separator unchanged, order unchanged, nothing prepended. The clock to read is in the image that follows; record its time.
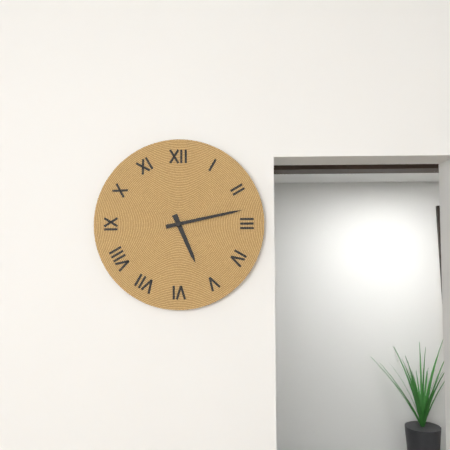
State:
5,13
